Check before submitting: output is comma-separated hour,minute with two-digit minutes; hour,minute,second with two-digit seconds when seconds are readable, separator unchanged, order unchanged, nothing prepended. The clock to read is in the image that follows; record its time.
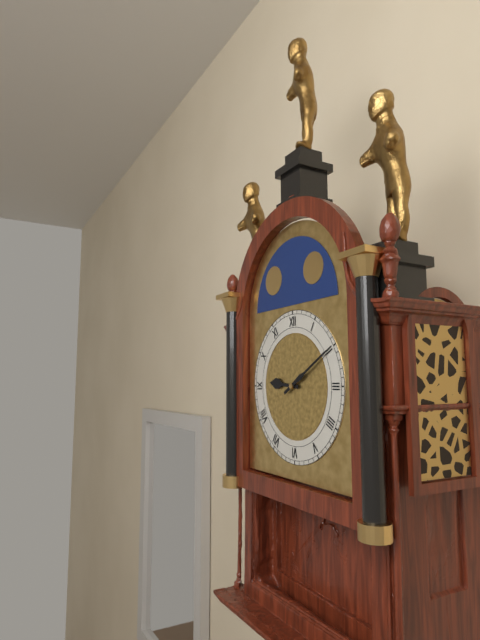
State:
9,10
